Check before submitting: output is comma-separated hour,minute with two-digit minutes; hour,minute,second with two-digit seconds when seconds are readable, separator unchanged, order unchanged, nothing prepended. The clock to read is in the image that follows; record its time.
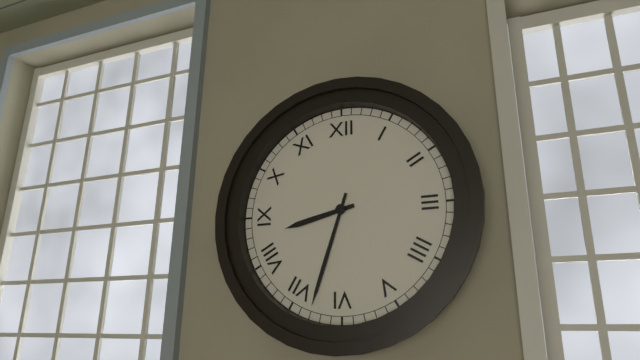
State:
8,33
